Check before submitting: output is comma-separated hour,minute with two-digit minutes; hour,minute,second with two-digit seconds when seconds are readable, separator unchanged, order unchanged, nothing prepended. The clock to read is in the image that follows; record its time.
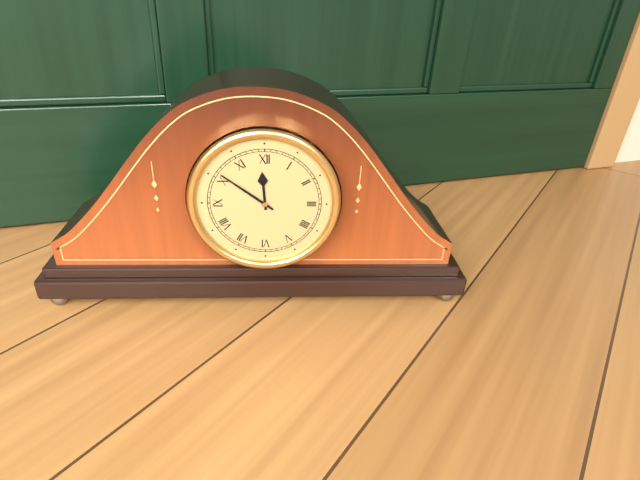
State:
11,51
